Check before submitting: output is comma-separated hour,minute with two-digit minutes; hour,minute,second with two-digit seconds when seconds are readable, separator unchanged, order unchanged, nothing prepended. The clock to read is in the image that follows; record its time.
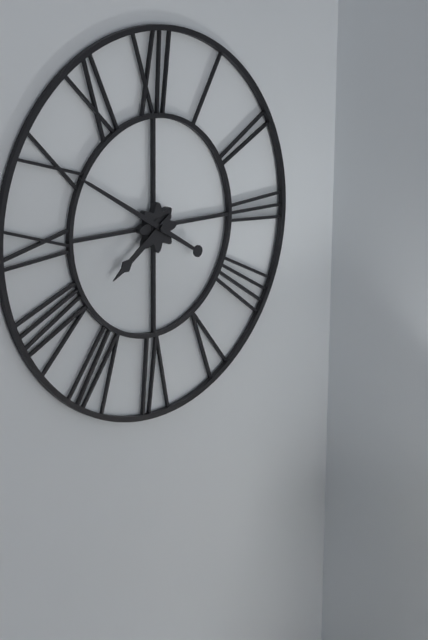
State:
7,50
